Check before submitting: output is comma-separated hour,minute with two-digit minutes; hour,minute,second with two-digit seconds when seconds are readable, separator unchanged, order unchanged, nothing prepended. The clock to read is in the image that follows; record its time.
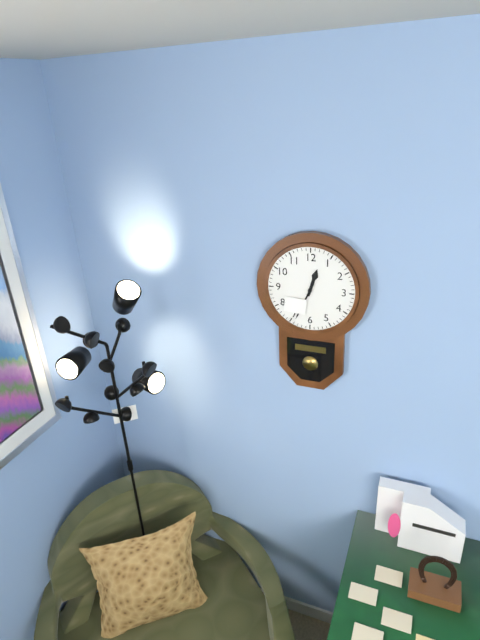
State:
12,34
